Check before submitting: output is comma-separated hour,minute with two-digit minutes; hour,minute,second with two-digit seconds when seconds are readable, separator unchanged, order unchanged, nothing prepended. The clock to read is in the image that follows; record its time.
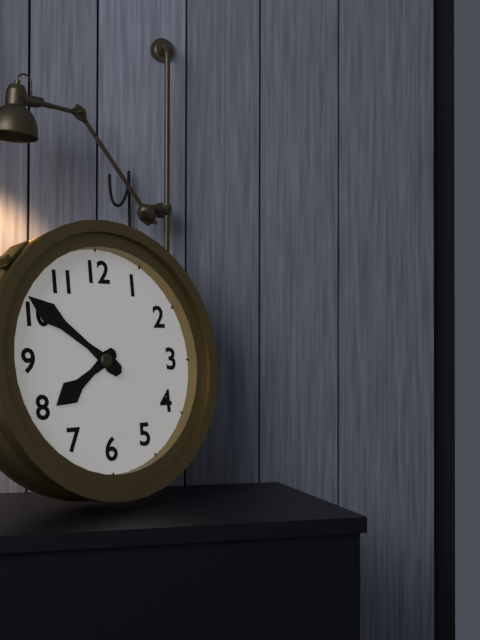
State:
7,51
